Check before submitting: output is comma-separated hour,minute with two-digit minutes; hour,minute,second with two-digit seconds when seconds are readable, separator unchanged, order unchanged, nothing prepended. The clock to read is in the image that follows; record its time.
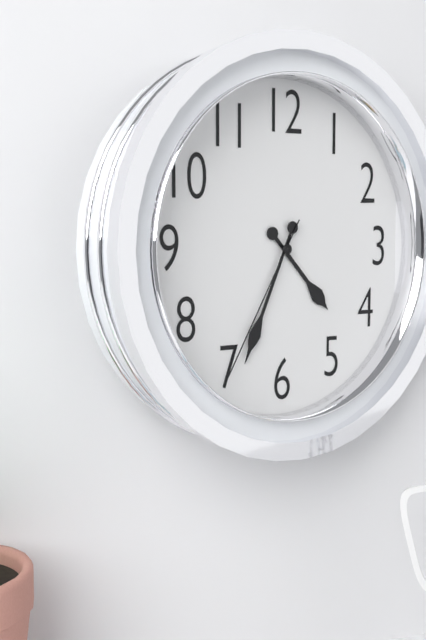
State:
4,34,35
